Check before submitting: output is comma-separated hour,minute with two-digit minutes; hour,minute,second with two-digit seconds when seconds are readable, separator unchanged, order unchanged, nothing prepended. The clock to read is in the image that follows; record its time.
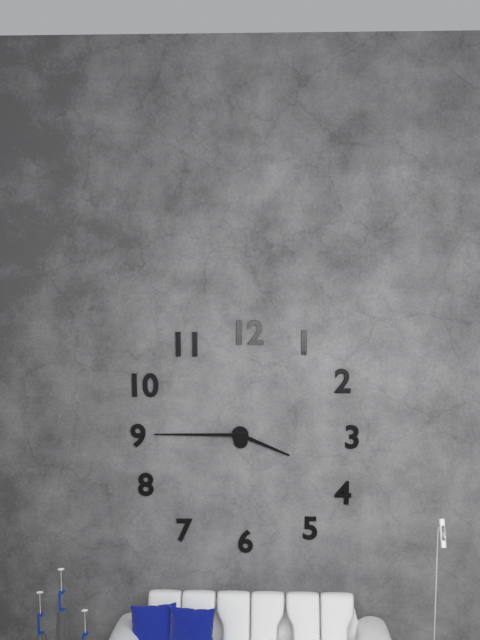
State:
3,45
